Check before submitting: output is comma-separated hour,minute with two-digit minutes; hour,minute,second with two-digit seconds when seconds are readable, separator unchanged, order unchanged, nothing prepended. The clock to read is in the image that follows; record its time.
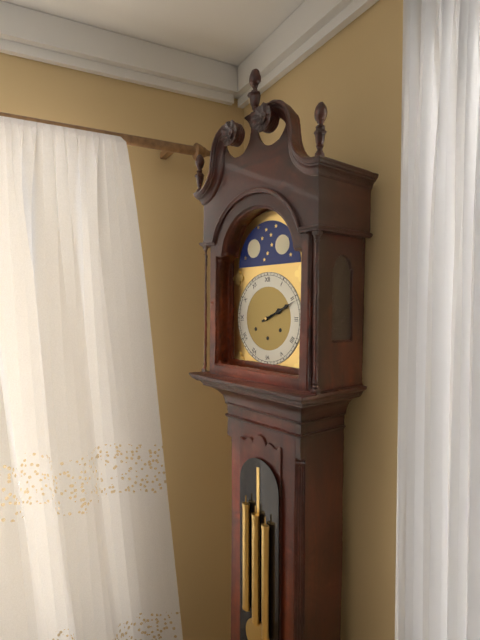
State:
2,11
